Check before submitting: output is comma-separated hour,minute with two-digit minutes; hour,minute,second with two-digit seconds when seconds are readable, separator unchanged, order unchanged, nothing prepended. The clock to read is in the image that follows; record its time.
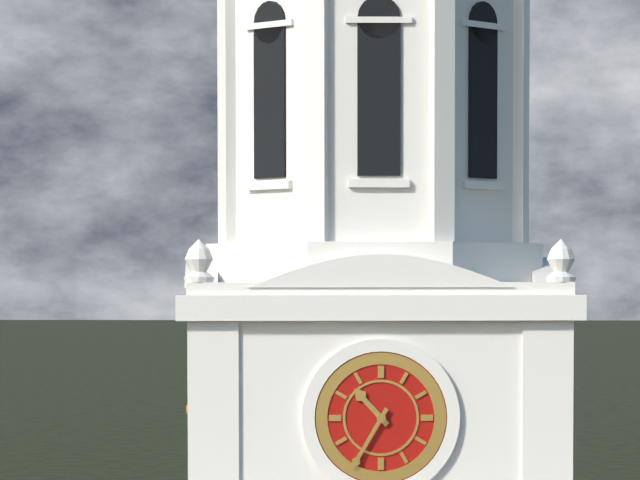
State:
10,35
